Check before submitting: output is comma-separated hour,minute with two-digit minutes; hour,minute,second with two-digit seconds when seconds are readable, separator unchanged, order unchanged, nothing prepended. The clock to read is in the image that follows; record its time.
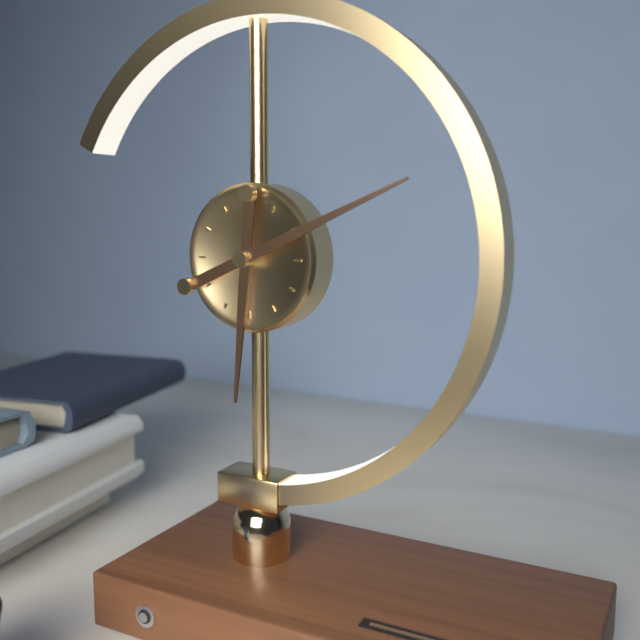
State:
6,11
